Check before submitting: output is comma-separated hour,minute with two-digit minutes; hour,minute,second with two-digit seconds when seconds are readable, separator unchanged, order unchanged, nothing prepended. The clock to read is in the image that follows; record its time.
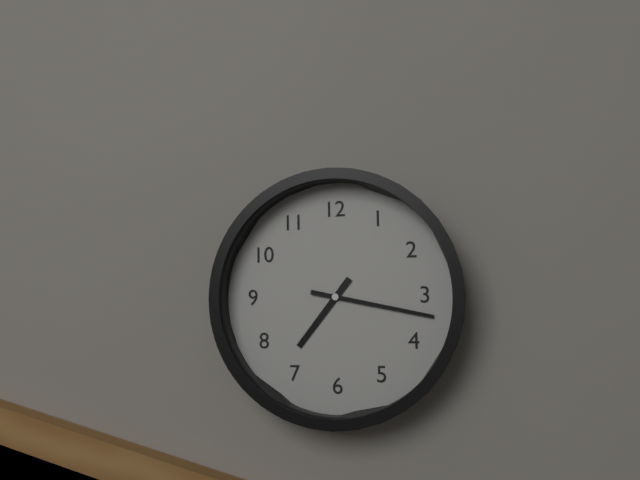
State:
7,17
